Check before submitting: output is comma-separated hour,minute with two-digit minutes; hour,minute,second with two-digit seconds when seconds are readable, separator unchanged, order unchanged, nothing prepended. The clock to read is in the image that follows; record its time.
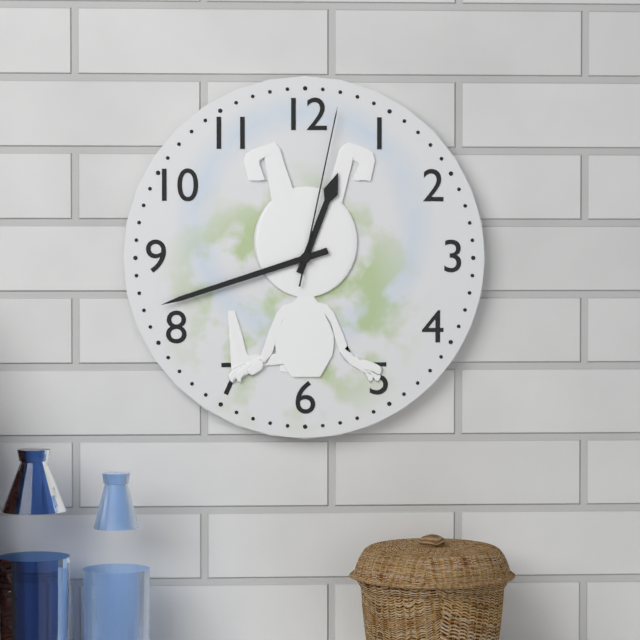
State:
12,42,02
